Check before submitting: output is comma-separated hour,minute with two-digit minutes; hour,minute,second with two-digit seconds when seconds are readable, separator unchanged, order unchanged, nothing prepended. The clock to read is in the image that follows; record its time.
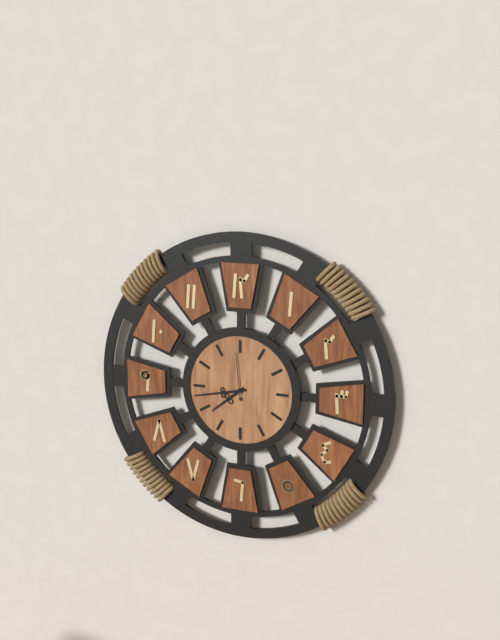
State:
7,43
